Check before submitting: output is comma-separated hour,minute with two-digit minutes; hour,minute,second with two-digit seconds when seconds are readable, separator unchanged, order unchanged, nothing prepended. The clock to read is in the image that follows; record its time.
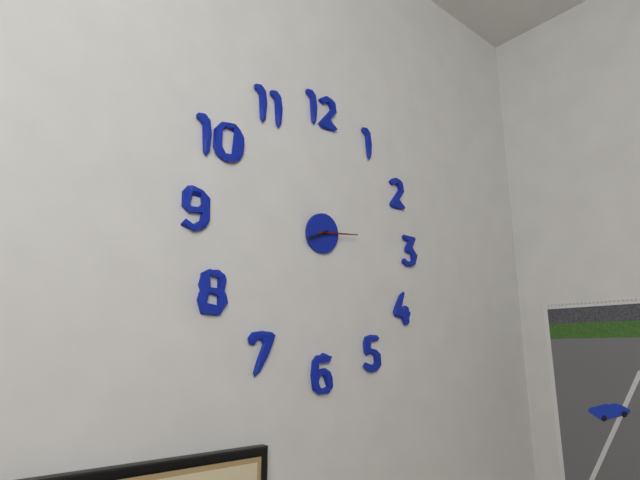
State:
8,14
